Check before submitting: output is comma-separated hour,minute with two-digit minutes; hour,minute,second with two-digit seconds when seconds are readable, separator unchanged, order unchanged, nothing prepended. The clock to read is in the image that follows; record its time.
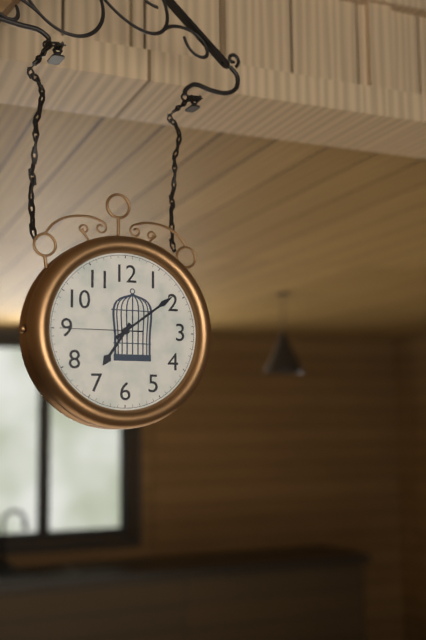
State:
7,09,45
